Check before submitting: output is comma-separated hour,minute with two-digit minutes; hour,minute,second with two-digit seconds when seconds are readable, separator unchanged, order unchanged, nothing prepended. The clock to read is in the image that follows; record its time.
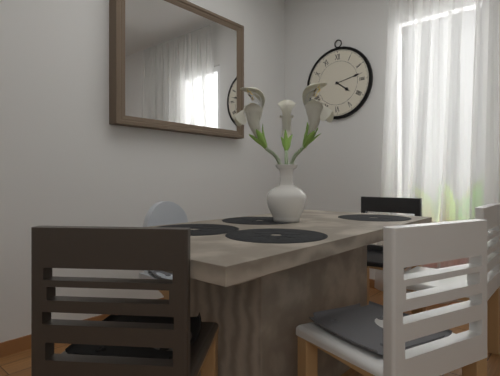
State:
4,13
